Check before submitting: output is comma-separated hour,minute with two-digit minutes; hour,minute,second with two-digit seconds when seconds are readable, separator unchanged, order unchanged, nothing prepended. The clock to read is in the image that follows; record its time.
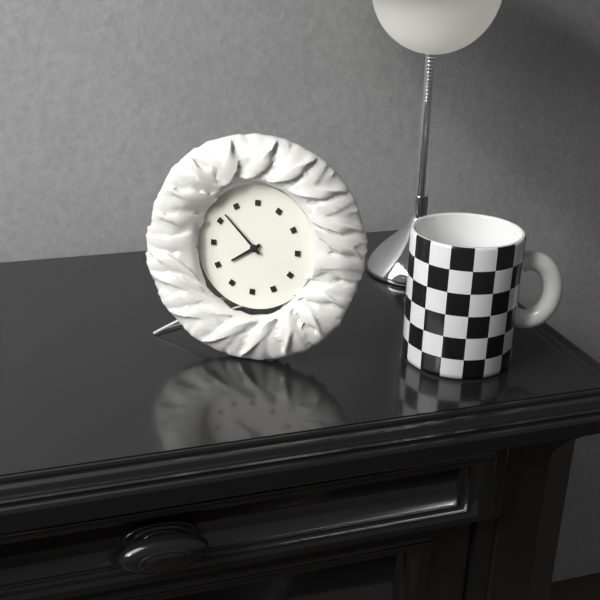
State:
7,52
